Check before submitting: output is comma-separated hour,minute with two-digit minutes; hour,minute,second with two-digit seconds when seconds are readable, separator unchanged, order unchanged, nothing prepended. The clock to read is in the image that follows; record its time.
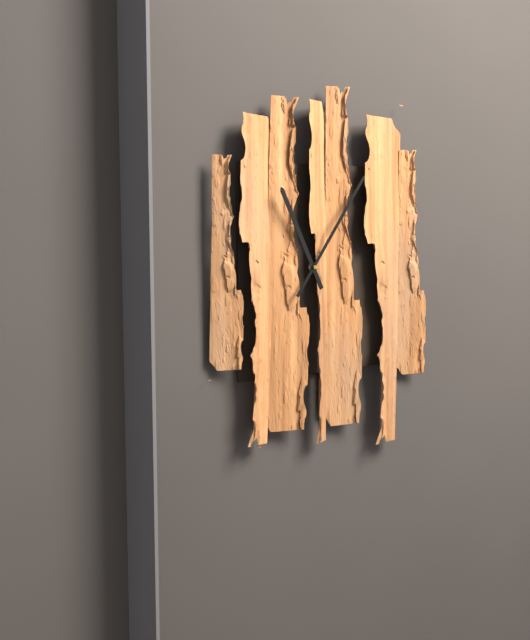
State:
11,06
